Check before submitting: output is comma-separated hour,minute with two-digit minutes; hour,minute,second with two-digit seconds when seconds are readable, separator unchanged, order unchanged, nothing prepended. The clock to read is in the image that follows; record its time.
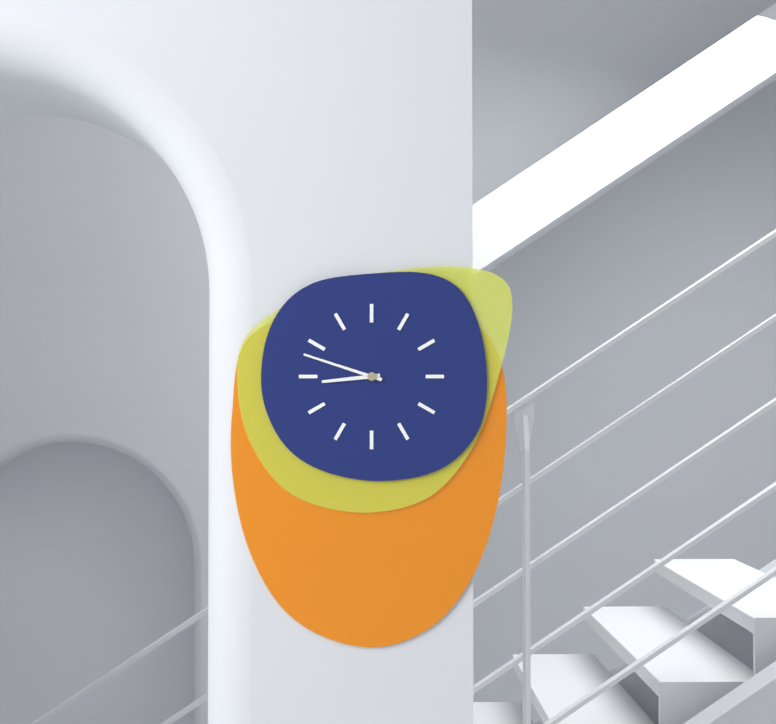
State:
8,48
